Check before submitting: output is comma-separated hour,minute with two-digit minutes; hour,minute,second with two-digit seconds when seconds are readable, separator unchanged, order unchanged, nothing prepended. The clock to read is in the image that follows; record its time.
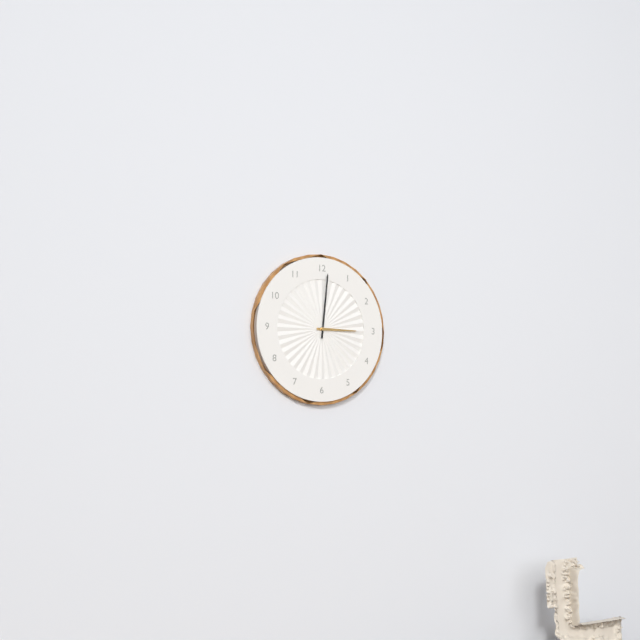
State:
3,01
